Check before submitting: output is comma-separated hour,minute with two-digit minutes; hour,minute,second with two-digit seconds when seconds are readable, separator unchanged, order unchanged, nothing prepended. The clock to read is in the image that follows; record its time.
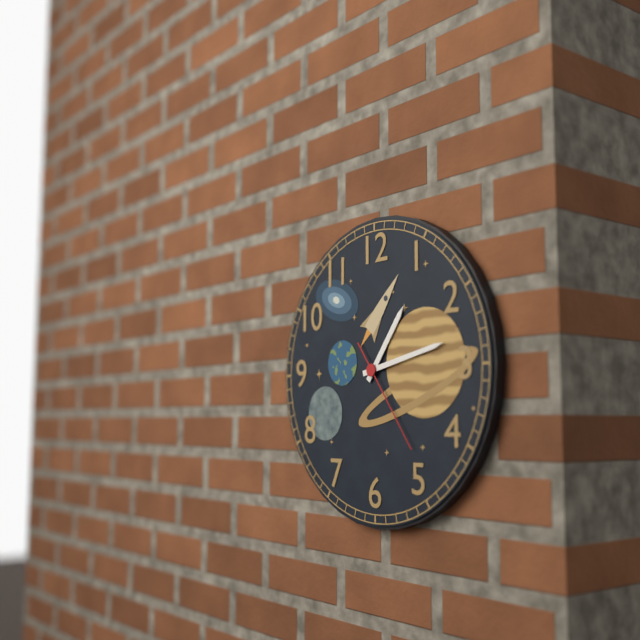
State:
1,13,24
